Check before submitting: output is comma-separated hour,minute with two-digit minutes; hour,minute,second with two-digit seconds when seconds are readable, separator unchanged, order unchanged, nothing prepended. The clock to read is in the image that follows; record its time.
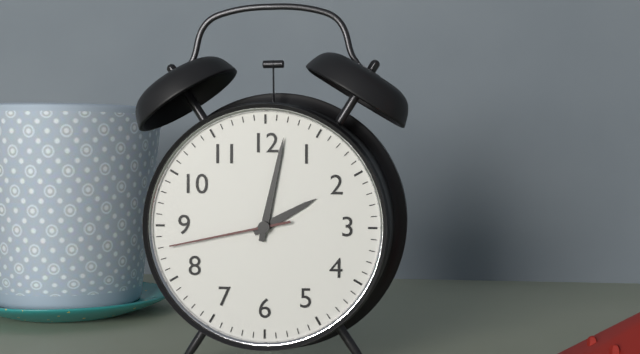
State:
2,02,43
